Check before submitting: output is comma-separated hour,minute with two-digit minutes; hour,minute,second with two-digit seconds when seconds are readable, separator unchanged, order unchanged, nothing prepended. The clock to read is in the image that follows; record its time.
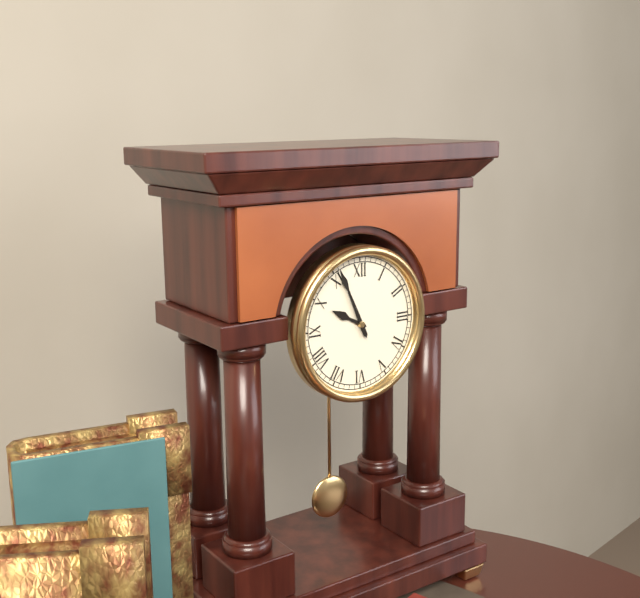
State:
9,56
